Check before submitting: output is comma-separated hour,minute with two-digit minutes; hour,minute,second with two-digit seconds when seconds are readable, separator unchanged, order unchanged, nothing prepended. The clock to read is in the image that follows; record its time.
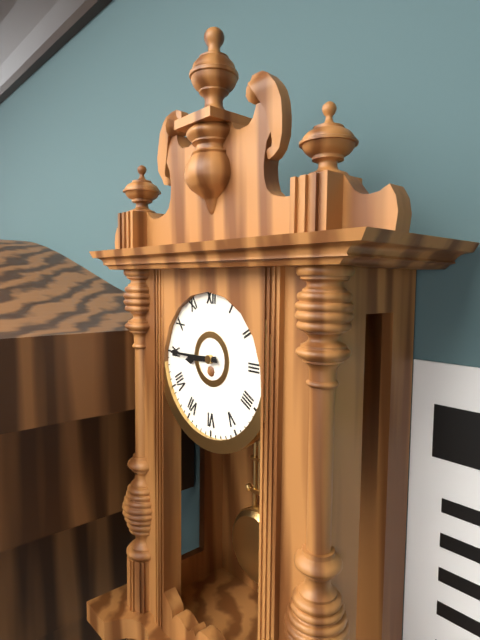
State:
8,45
